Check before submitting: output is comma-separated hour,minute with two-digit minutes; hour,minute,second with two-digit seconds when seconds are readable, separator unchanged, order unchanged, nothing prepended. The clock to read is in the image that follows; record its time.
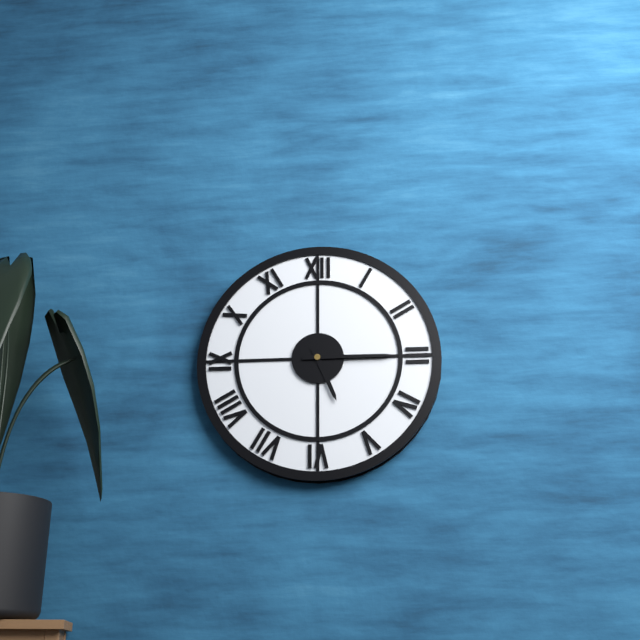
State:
5,15
